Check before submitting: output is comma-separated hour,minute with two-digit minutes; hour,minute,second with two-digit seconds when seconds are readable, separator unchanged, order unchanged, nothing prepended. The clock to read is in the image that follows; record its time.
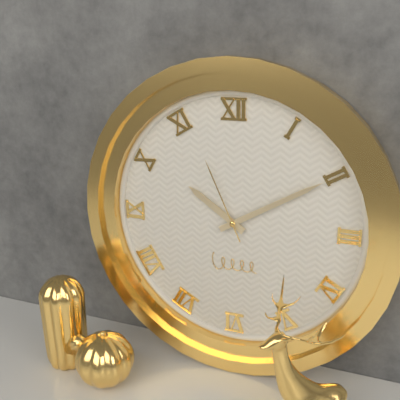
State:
10,10,56
